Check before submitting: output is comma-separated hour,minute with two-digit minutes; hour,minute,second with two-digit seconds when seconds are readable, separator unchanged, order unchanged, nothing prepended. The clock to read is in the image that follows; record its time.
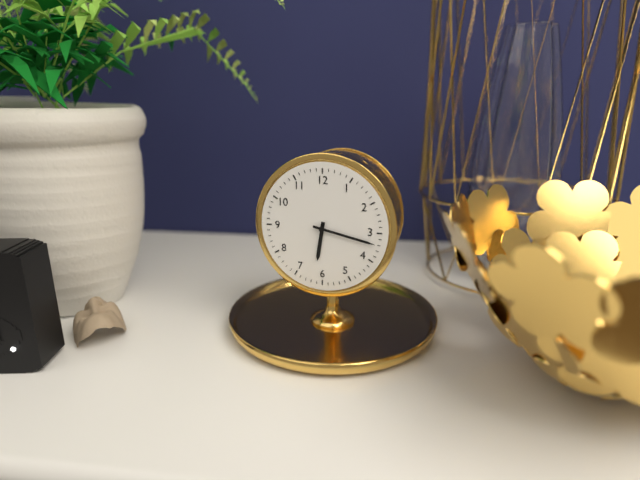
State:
6,17
